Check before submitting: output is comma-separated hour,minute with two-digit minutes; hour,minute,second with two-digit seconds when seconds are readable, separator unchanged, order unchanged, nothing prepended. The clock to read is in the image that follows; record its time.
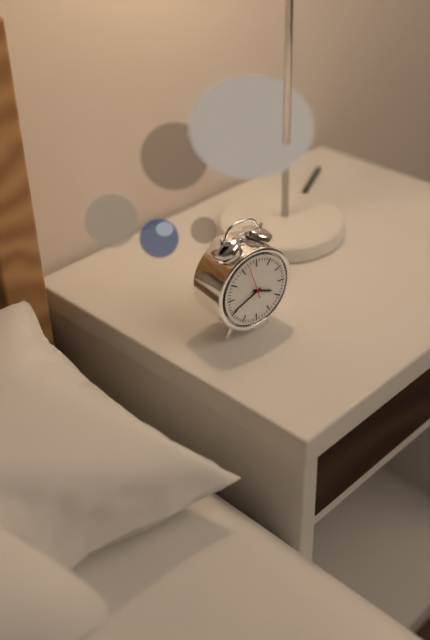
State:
3,41
